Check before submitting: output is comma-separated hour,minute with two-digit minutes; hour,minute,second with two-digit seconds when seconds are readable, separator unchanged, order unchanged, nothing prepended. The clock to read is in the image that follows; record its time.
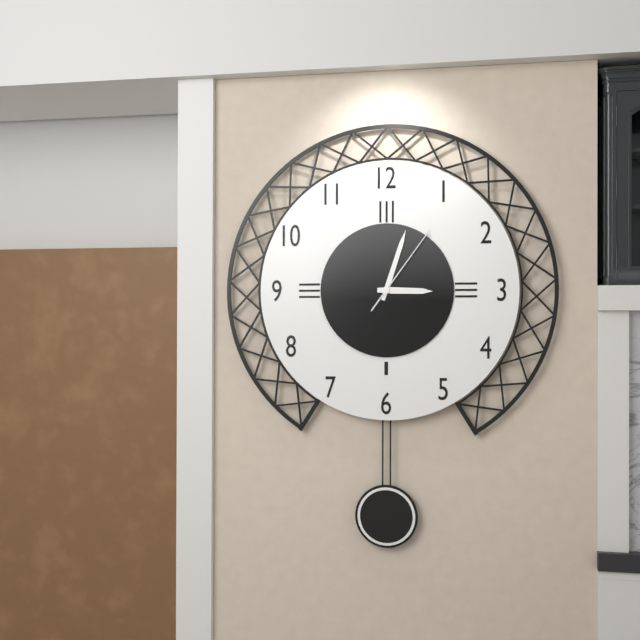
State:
3,03,06
